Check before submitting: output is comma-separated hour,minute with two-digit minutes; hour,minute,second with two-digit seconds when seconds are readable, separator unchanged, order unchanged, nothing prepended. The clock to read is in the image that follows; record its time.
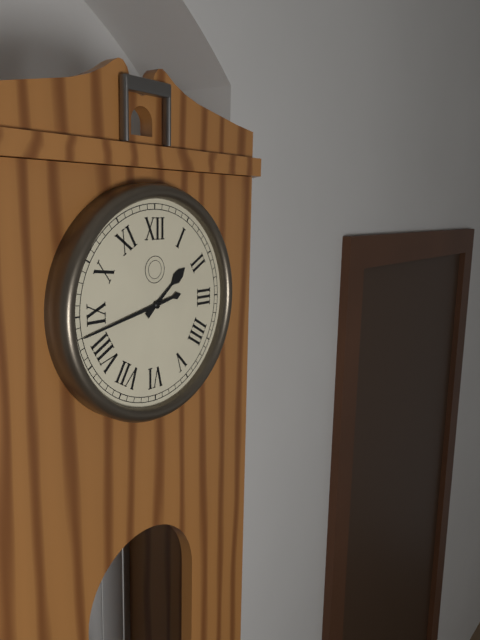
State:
1,43
